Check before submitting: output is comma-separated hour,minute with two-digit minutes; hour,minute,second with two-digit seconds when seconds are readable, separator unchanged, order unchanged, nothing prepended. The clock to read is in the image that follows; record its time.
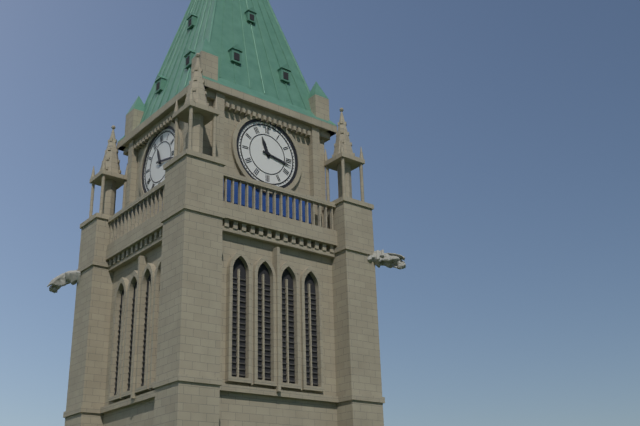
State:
11,17
